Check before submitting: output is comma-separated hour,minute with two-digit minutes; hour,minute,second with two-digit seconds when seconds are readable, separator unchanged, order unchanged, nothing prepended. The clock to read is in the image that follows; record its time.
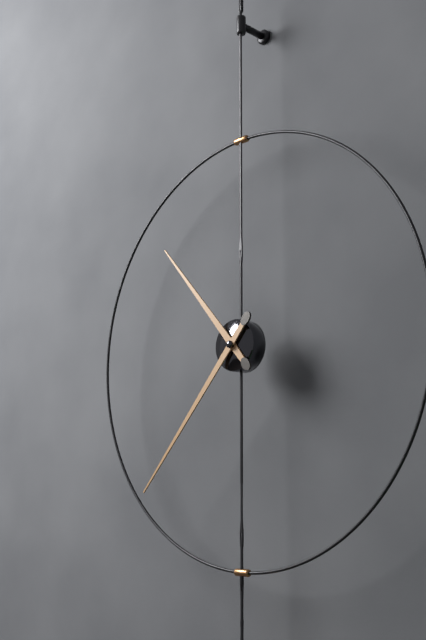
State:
10,37
